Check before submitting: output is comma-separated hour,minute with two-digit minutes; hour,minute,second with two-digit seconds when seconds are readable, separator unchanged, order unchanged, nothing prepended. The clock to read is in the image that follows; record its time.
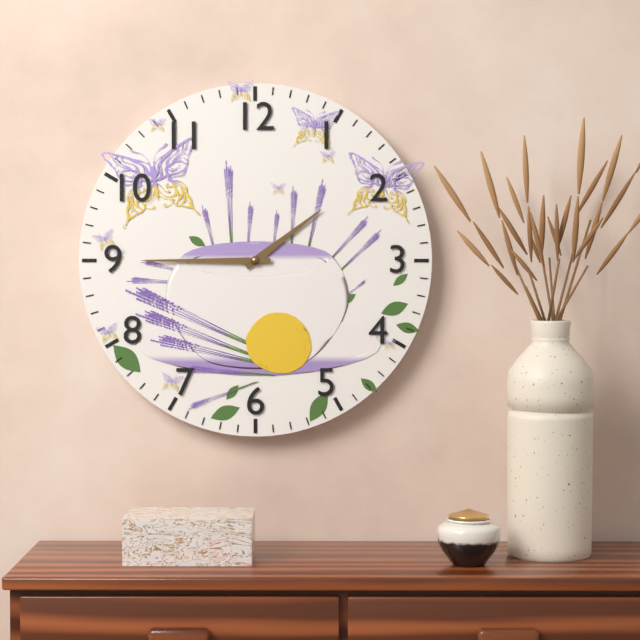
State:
1,45
